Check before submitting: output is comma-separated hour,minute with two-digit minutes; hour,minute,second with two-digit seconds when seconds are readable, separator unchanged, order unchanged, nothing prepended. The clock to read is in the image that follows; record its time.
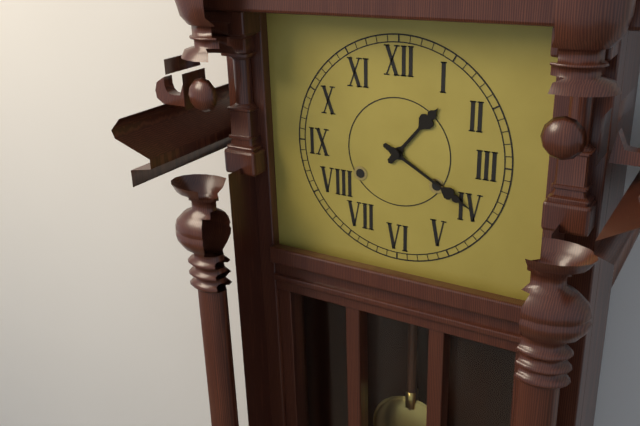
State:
1,20
